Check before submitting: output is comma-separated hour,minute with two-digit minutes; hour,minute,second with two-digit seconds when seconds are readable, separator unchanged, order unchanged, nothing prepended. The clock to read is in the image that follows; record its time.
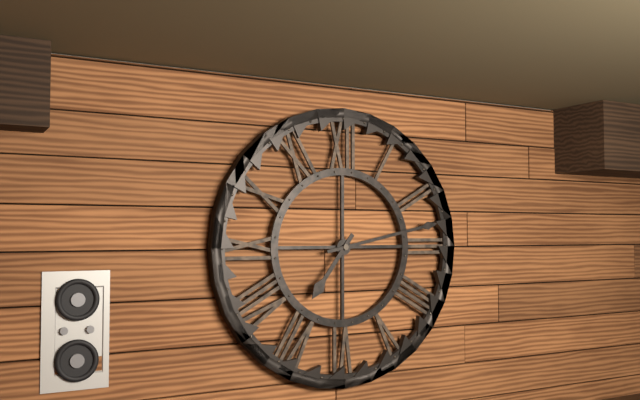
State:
7,13
